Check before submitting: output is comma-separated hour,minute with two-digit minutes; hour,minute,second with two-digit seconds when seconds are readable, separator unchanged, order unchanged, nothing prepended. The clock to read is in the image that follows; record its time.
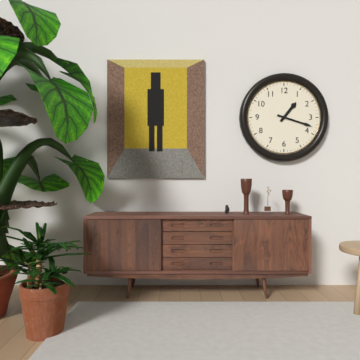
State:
1,18
